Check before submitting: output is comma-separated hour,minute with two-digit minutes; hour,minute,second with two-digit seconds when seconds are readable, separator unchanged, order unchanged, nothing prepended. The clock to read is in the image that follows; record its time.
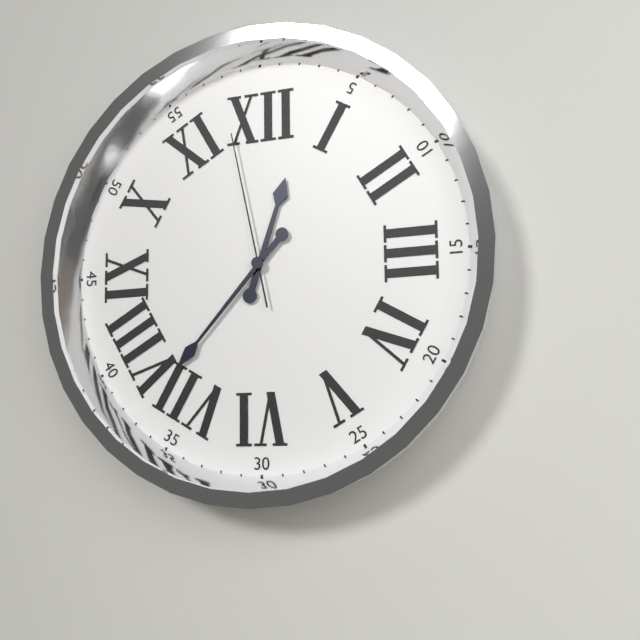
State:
12,37,58
